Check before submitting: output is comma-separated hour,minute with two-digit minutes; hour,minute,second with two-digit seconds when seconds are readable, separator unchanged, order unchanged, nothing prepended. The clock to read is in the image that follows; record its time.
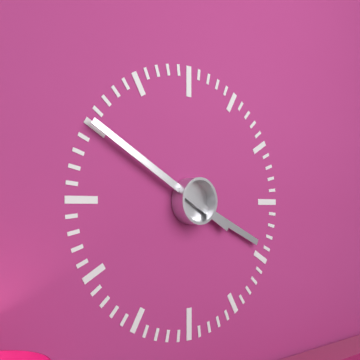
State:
3,50
